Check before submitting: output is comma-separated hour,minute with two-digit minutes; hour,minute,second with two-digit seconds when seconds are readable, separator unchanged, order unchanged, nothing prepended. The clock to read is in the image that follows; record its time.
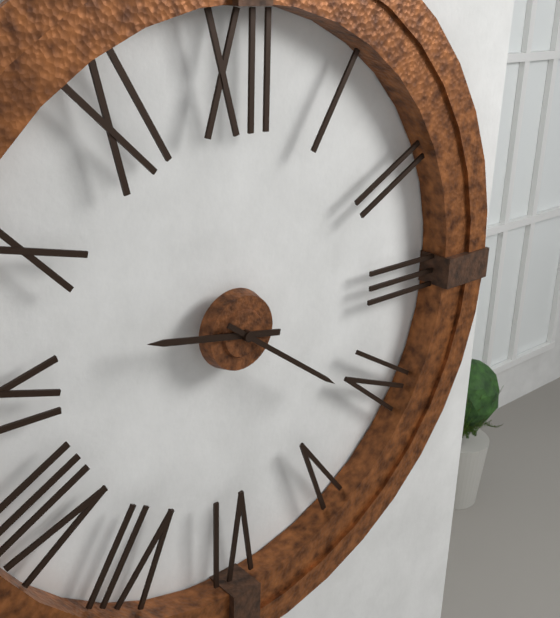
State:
9,21
